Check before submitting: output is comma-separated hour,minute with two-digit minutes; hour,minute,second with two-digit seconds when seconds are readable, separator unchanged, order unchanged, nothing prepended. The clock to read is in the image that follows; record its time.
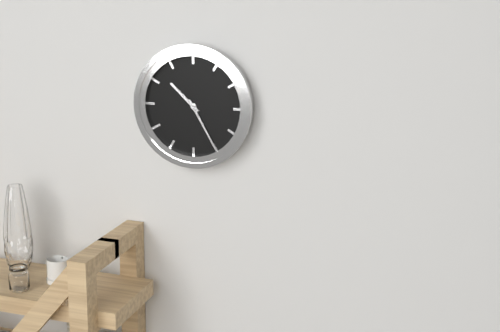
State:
10,25
